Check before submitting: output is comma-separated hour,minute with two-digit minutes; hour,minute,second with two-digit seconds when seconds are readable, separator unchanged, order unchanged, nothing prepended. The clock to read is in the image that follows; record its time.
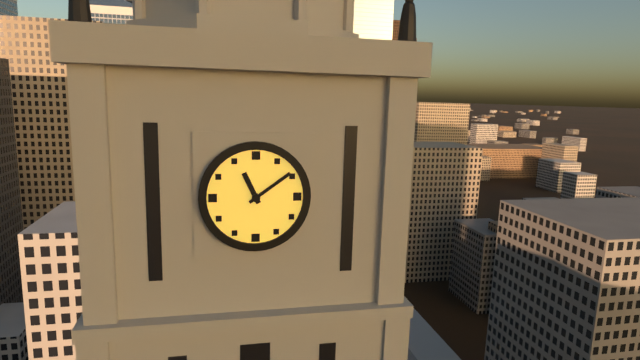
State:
11,09
